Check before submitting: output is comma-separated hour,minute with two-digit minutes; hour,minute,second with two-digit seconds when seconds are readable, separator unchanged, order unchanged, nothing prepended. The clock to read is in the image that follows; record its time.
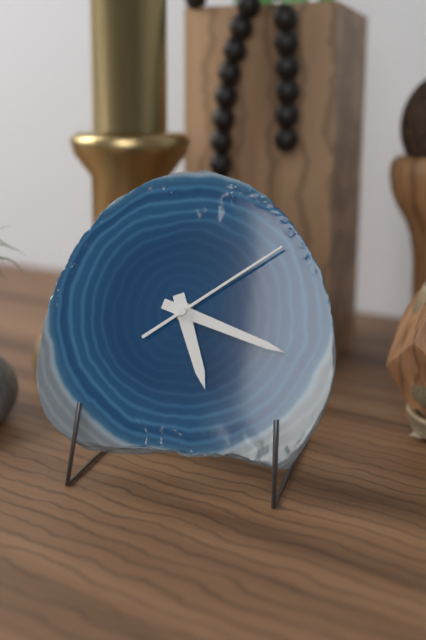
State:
5,18,09
